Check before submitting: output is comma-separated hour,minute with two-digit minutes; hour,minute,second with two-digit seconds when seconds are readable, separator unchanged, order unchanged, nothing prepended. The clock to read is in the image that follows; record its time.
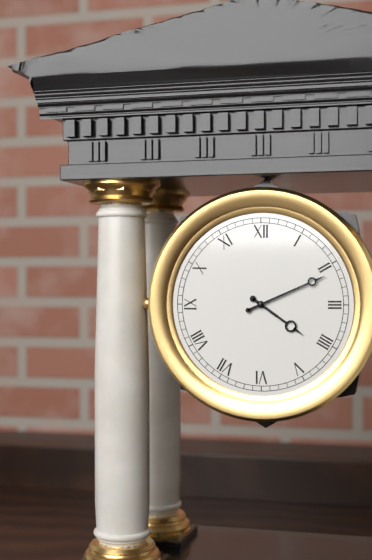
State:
4,11
